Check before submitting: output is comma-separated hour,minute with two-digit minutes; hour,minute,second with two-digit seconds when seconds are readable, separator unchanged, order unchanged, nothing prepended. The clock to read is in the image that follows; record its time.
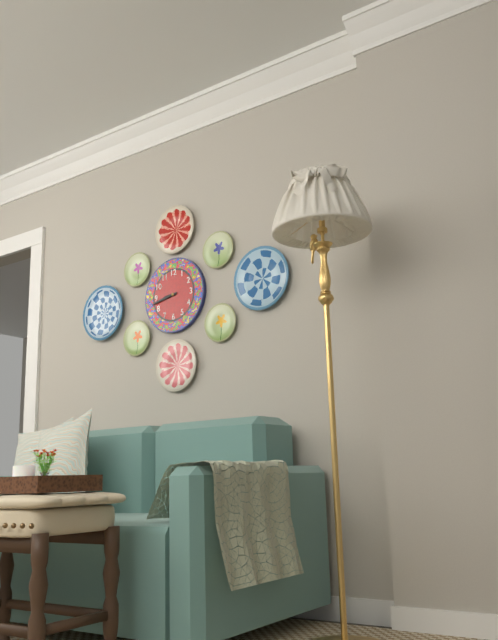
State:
8,43
